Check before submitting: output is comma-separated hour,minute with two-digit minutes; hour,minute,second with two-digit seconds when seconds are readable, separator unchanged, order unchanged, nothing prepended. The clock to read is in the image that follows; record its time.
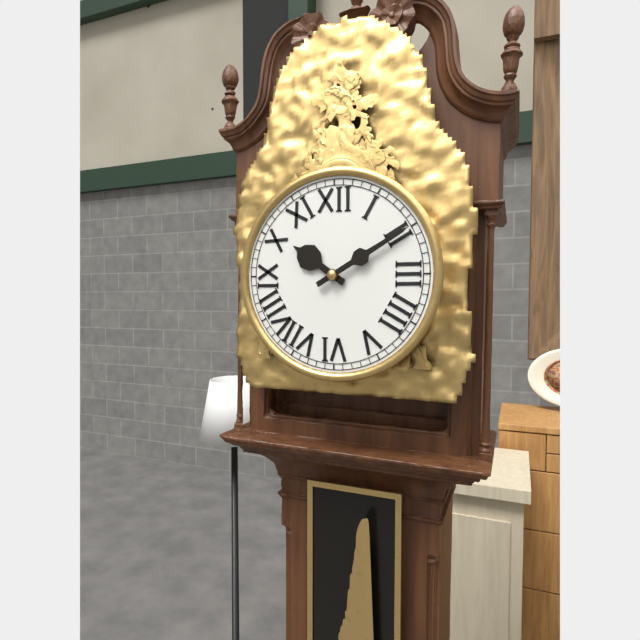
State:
10,10
